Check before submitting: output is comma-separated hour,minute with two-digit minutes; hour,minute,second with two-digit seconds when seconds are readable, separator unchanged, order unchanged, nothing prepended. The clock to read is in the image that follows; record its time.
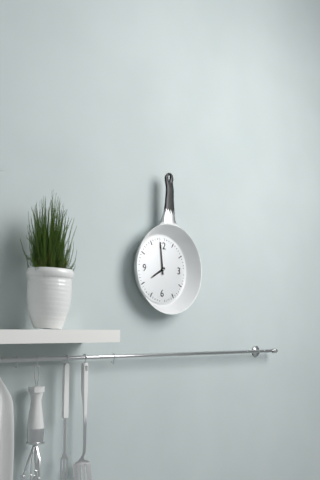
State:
7,59
